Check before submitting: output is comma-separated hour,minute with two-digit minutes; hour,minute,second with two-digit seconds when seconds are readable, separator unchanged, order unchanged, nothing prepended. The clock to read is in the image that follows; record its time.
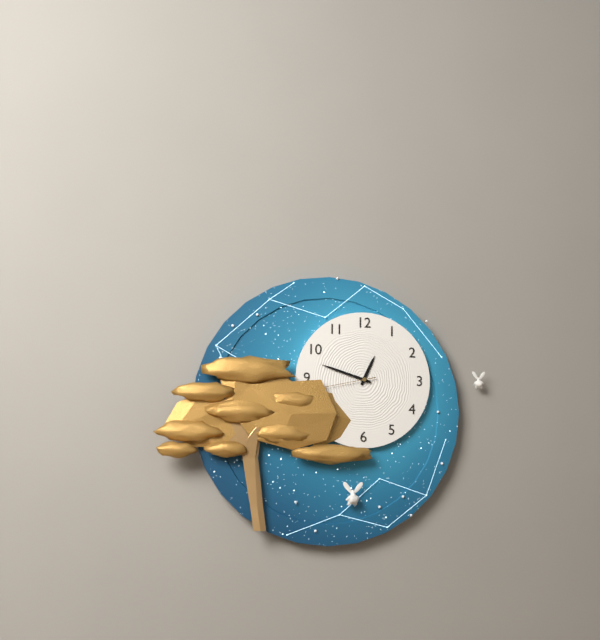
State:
12,48,43
